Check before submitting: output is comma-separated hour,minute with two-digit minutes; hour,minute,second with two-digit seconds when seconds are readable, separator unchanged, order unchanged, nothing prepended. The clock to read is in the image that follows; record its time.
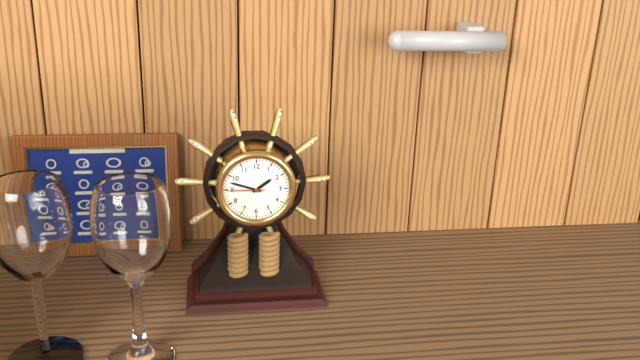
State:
1,48
